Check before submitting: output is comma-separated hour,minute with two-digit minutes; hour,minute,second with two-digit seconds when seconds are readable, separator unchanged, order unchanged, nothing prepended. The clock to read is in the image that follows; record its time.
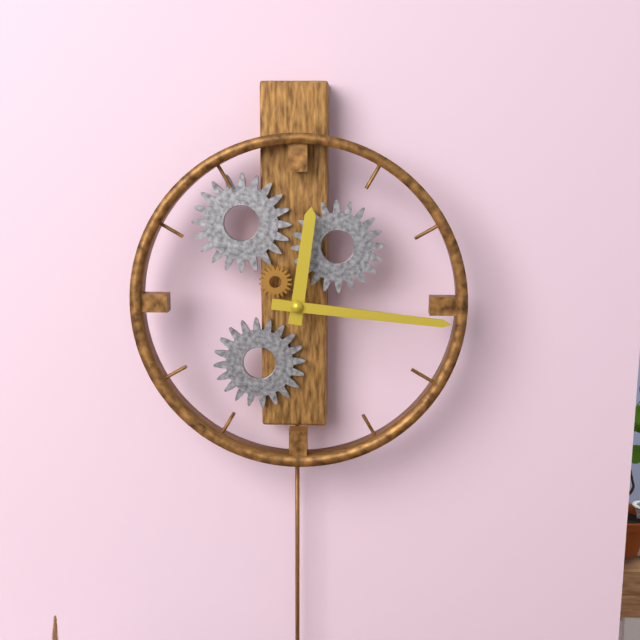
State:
12,16
